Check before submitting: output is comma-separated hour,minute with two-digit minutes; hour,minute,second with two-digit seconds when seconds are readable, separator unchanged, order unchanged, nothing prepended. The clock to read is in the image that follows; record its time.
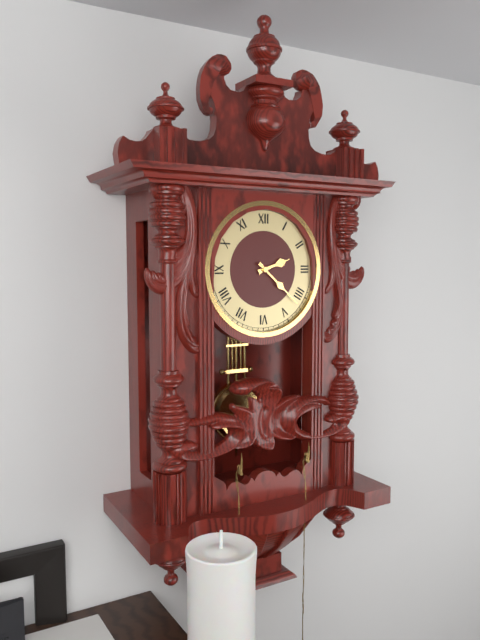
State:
2,22
